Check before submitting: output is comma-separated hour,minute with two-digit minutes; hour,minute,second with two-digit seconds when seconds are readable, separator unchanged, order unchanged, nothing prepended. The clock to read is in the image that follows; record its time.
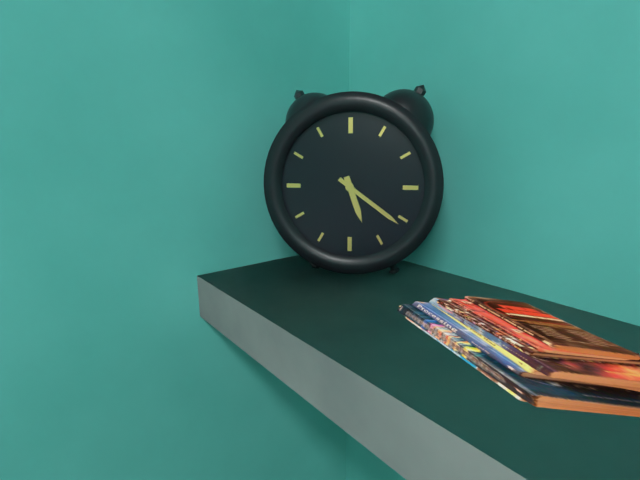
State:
5,21
